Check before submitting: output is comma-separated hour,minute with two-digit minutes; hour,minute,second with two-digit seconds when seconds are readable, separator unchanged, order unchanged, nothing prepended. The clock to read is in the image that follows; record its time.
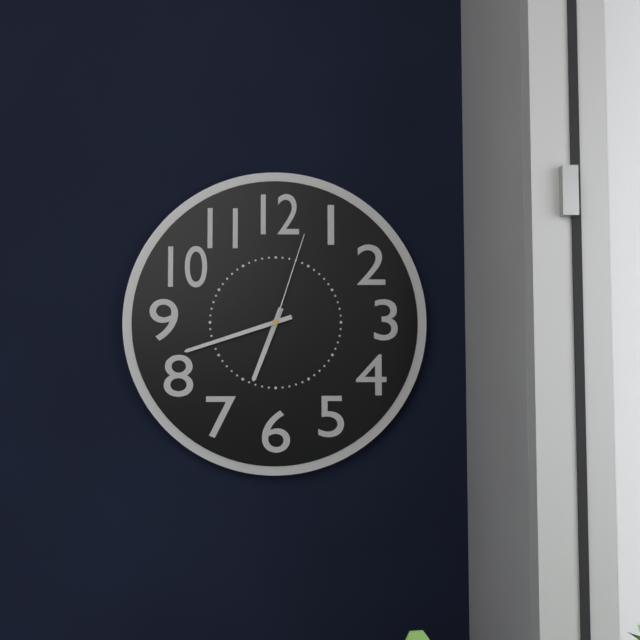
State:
6,42,03
